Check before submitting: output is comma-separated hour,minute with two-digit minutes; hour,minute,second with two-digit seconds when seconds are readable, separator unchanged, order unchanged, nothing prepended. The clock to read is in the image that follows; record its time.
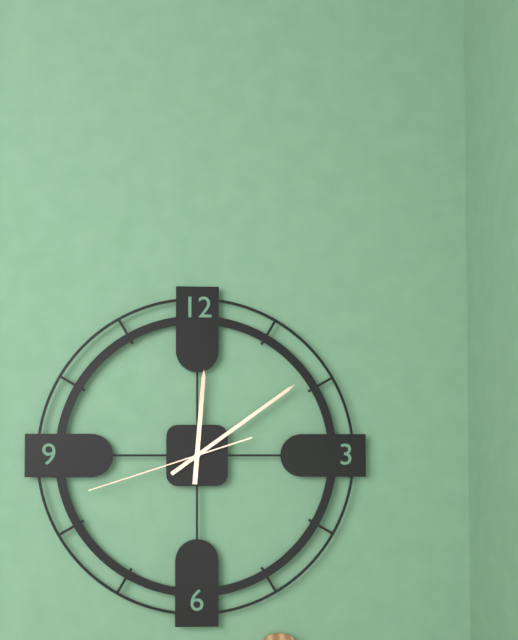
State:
12,09,42
